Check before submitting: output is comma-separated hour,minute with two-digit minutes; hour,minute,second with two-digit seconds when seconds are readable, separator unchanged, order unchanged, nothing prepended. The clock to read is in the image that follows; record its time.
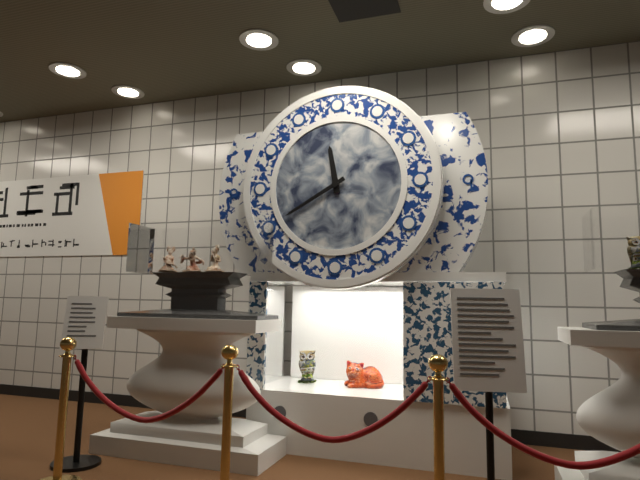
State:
11,40
